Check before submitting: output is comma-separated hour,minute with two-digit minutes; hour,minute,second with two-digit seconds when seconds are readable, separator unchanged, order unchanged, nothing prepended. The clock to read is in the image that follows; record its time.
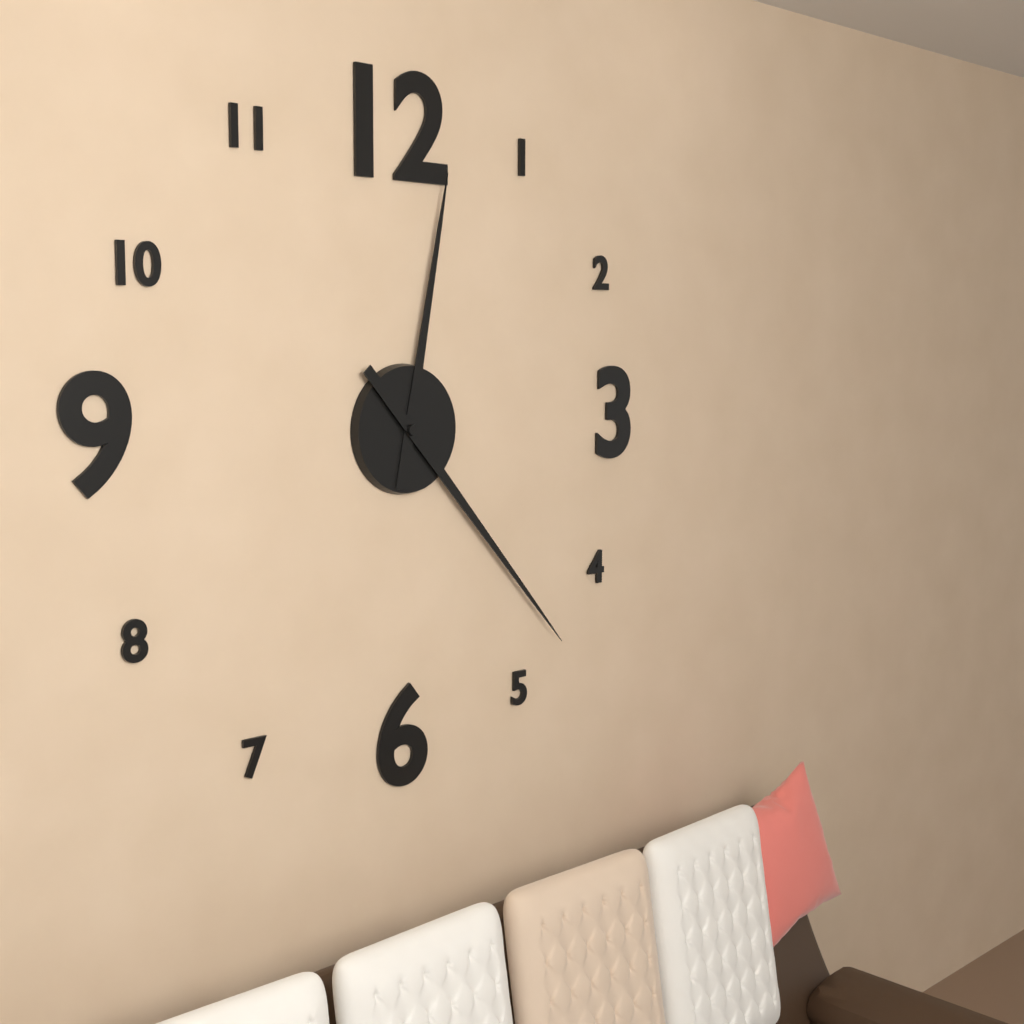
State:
12,23
